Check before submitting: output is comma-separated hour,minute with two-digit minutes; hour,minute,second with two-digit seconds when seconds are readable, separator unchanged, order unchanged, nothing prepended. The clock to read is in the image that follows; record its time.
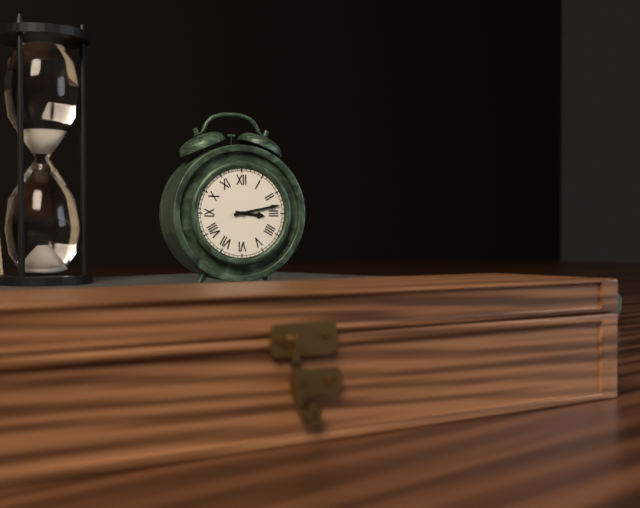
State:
3,13
